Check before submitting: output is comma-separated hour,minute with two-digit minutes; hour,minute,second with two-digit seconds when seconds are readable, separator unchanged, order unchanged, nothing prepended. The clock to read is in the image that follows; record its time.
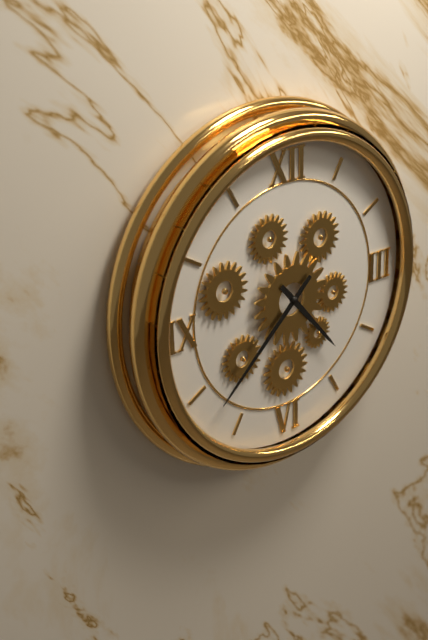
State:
4,38
